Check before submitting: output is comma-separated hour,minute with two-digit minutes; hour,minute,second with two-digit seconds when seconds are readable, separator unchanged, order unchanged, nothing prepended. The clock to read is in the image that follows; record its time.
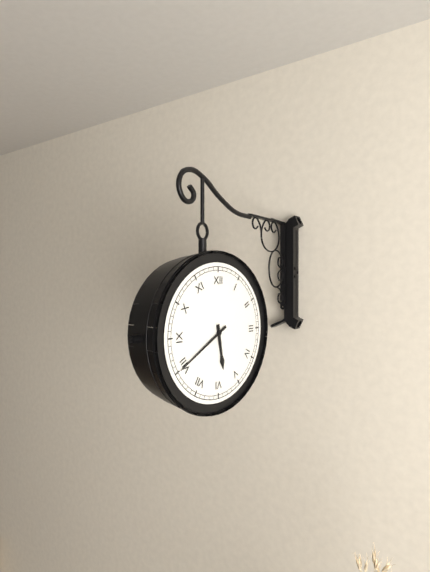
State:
5,40
